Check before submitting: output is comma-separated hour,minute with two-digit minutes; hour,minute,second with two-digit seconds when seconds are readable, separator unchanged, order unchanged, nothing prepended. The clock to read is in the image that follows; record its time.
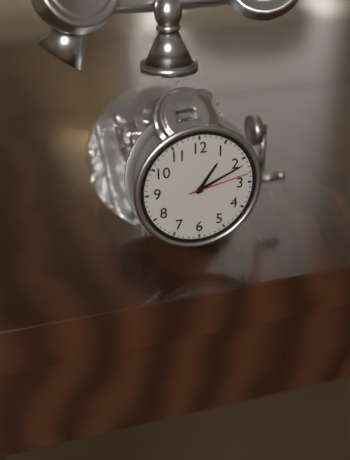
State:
1,11,13
